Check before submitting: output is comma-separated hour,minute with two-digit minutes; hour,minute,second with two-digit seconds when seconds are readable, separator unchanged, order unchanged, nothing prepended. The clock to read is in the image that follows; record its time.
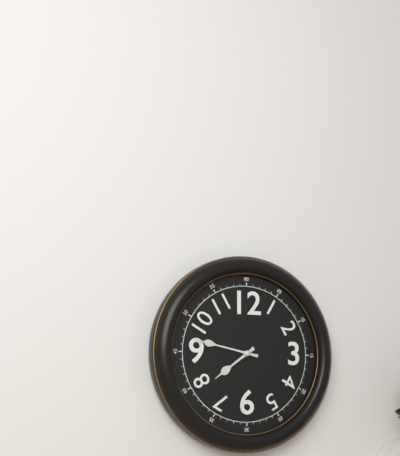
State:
7,47
